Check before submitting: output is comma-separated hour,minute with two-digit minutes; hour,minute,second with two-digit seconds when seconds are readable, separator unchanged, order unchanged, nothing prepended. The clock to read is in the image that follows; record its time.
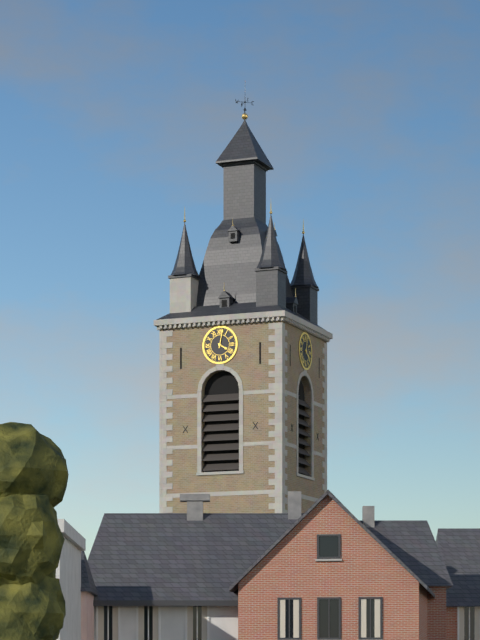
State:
4,02
